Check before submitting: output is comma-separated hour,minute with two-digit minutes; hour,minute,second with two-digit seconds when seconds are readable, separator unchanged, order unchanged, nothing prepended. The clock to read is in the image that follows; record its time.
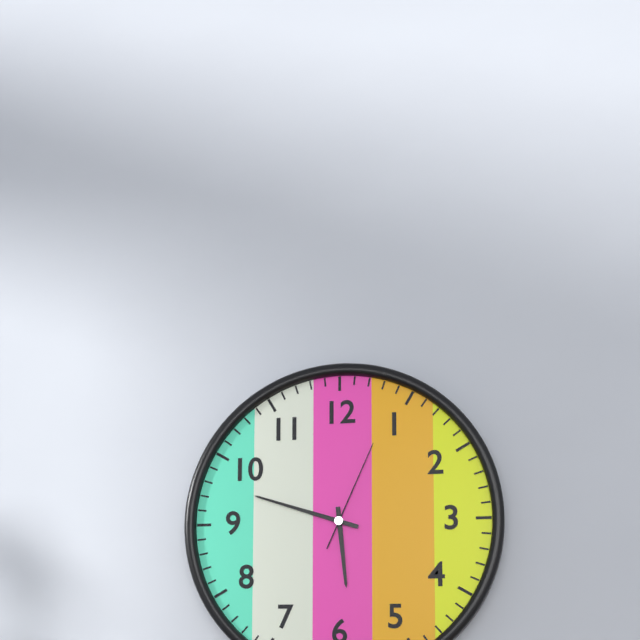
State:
5,48,04
